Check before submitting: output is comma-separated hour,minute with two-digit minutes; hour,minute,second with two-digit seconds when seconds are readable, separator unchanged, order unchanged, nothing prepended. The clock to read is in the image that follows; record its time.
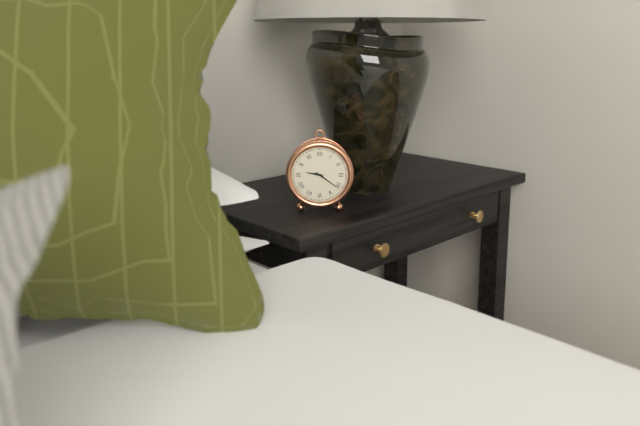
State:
9,21
